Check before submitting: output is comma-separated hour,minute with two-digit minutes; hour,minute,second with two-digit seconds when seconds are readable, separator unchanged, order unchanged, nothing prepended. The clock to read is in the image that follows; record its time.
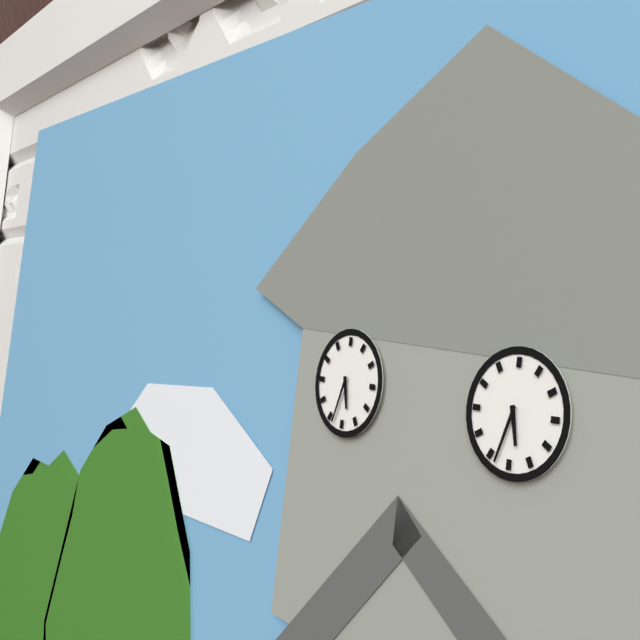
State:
5,33
